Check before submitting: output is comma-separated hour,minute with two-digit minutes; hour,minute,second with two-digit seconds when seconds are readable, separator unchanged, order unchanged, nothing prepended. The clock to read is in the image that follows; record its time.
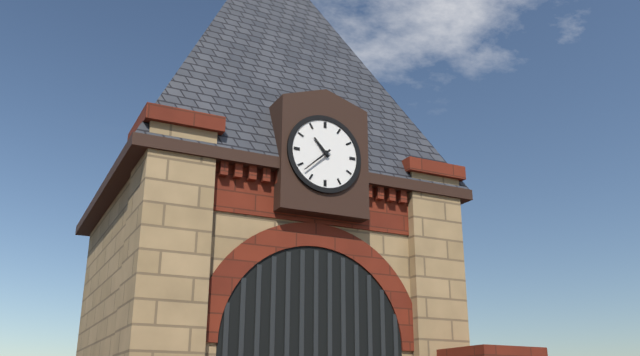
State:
10,38
